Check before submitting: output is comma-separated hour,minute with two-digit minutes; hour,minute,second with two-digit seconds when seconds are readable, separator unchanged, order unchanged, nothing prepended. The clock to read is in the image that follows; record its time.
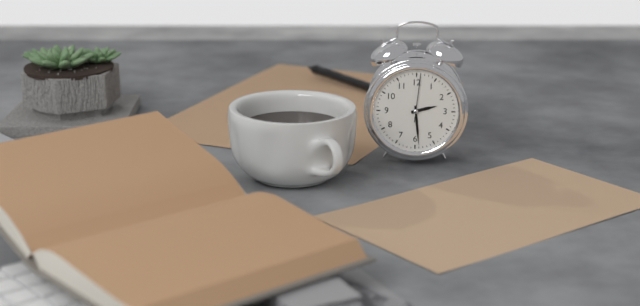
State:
2,29
